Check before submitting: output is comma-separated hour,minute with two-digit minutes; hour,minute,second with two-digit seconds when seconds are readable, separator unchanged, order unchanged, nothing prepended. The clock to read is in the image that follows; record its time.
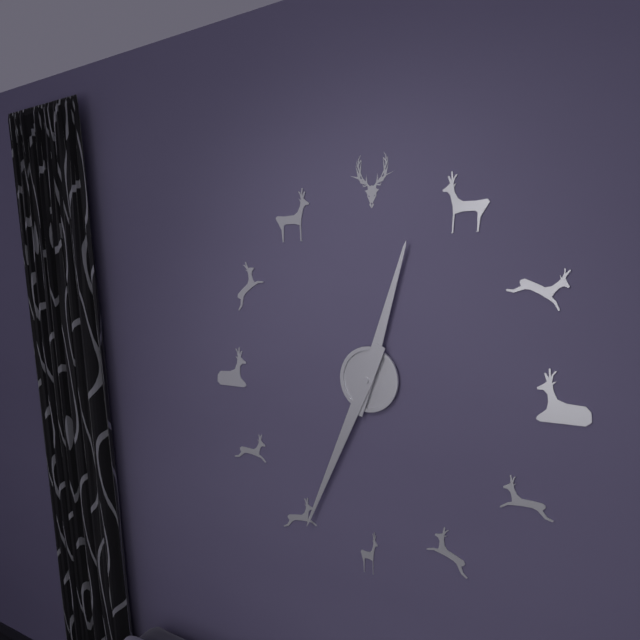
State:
12,34
